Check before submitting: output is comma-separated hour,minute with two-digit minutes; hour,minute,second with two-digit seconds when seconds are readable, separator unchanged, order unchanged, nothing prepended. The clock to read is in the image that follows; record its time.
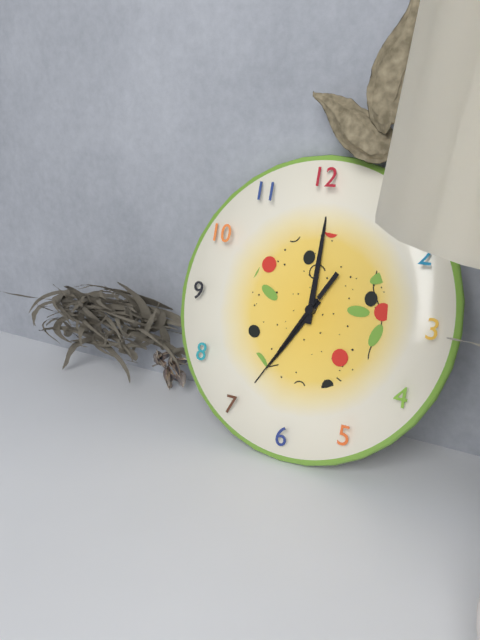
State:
7,00,35
